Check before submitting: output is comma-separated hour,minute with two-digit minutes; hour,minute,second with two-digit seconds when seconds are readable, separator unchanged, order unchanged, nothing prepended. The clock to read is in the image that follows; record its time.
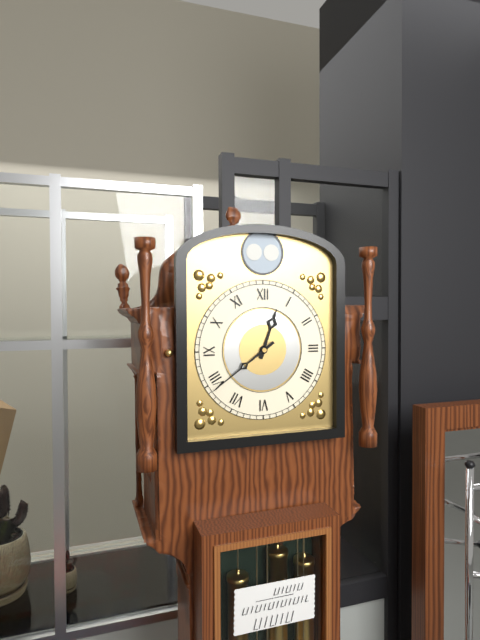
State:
12,39
